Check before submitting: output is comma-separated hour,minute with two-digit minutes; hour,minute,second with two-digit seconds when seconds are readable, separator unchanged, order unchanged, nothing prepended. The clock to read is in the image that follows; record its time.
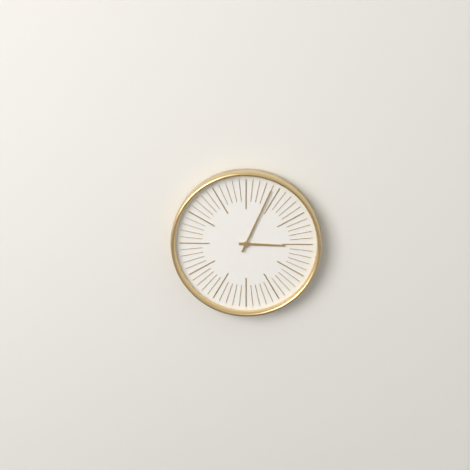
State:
3,04
